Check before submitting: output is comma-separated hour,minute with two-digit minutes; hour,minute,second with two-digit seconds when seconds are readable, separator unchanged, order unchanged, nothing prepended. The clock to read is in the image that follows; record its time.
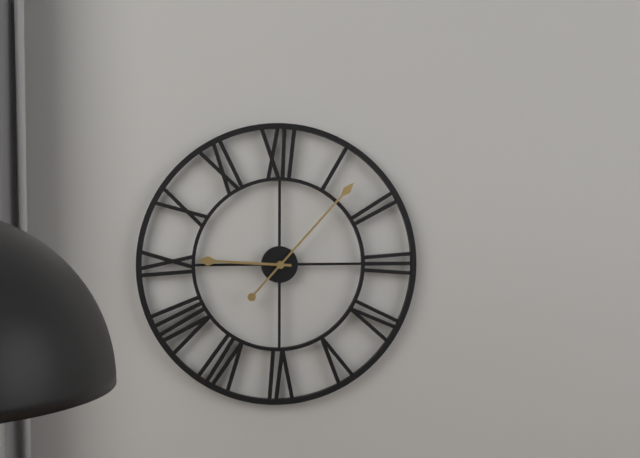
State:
9,07
